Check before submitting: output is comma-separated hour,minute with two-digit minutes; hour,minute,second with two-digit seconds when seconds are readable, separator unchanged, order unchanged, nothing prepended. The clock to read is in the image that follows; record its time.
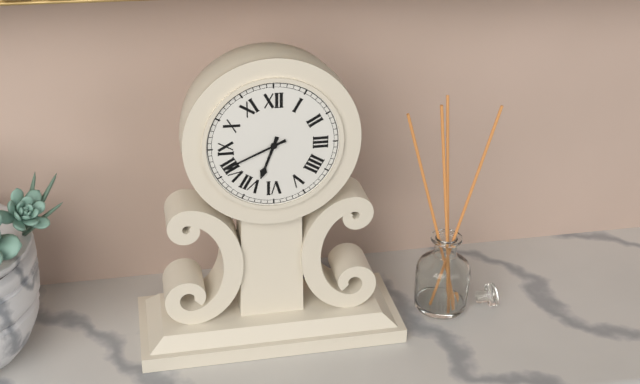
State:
6,41
